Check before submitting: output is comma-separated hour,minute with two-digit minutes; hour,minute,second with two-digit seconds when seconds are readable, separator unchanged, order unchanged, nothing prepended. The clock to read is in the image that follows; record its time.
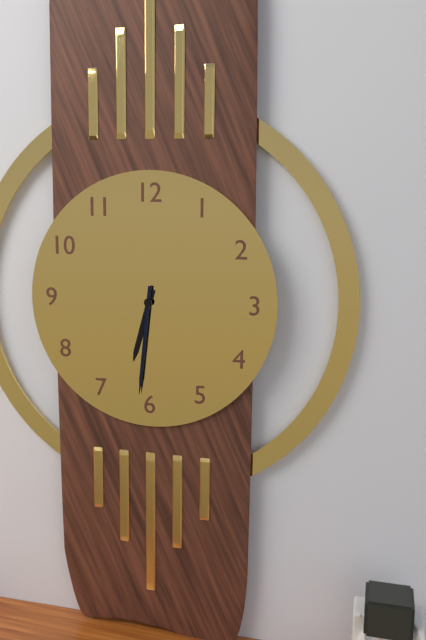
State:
6,31
